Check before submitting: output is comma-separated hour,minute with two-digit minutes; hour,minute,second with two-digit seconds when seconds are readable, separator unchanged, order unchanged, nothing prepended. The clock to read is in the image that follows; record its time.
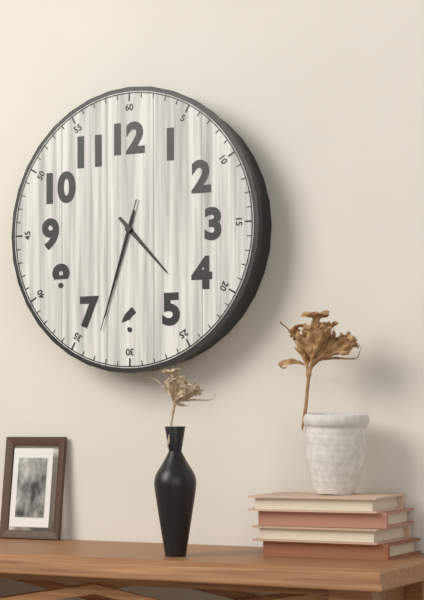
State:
4,33,33
